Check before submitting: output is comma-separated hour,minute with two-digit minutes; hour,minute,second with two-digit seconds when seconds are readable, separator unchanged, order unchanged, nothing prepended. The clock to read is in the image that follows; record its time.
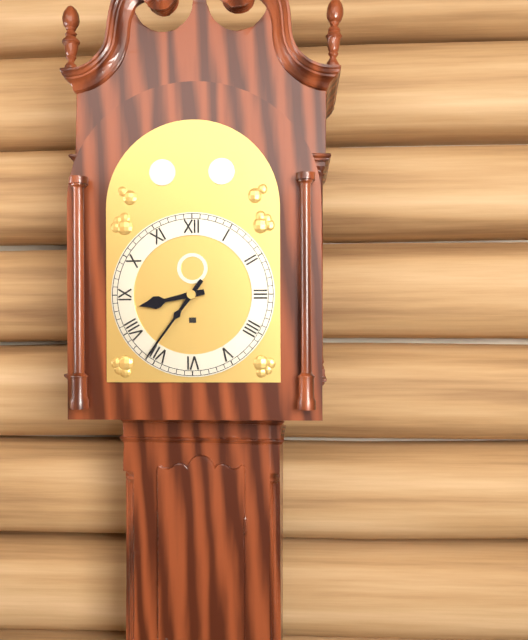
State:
8,36
